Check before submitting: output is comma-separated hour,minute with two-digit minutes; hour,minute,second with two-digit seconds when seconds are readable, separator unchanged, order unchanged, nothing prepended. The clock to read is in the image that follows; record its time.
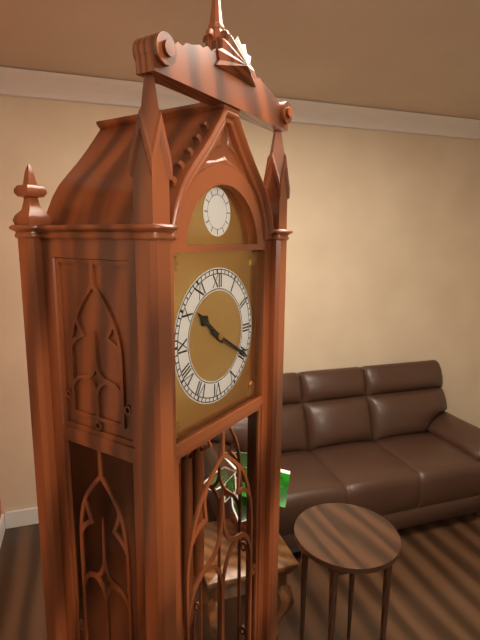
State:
10,20
